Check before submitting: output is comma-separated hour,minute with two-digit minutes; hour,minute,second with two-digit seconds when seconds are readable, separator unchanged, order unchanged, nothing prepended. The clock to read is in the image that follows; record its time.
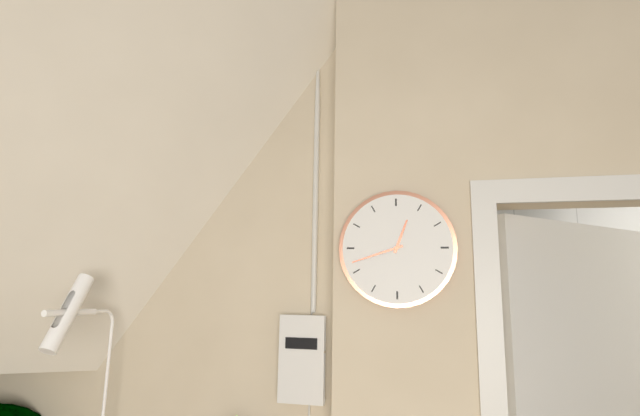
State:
12,42
